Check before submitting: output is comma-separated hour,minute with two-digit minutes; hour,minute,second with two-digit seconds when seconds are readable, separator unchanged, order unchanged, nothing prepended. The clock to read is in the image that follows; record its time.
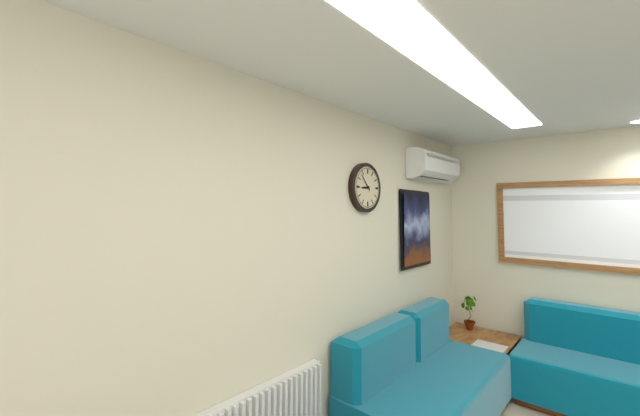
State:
8,53
